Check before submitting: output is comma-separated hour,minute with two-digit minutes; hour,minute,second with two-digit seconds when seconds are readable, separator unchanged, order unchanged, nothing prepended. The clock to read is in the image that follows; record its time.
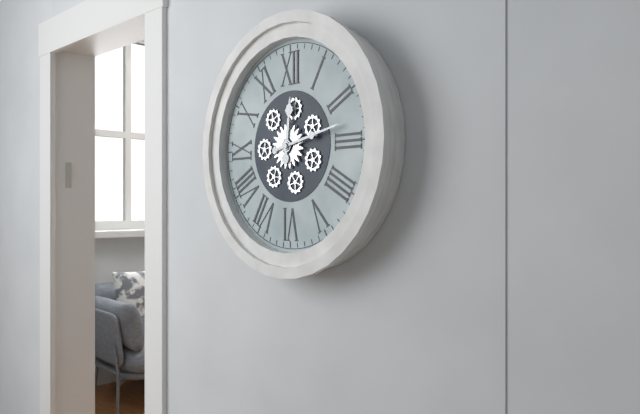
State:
12,13
